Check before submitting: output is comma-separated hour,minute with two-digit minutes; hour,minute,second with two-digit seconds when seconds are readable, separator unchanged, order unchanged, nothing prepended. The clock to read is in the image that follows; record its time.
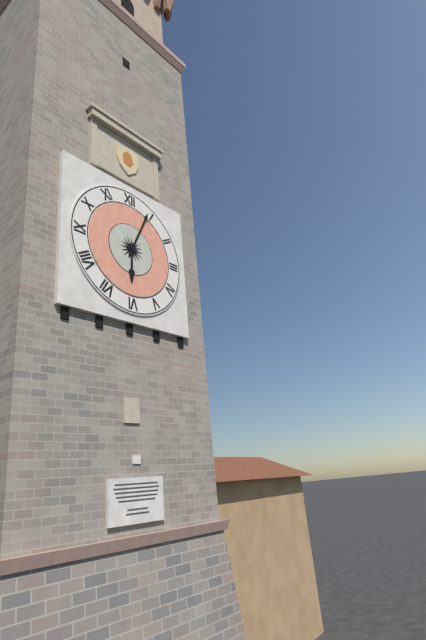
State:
6,04
